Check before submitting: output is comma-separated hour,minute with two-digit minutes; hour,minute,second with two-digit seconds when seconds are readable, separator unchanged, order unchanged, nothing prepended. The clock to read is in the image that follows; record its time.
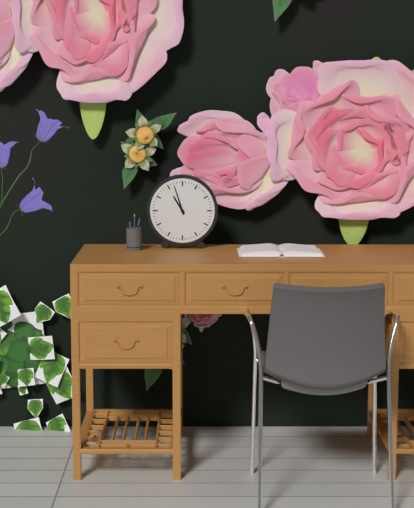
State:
10,57
